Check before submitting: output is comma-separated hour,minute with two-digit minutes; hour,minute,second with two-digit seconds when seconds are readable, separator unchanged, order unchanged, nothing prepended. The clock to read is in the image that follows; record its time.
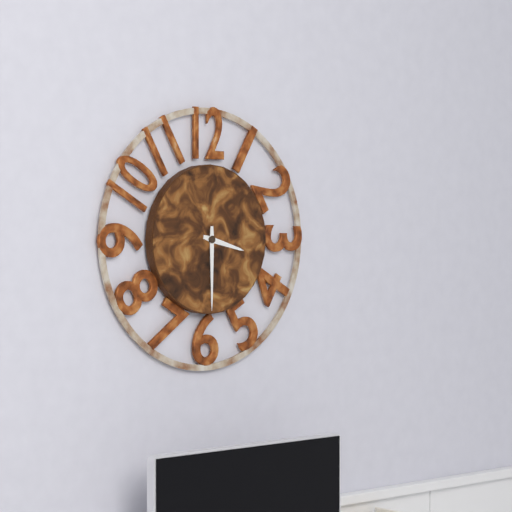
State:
3,30
